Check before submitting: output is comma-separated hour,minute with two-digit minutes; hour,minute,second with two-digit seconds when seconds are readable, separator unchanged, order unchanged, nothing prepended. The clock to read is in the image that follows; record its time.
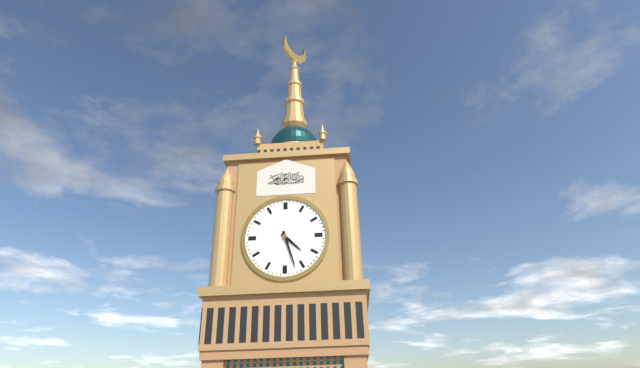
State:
4,27
